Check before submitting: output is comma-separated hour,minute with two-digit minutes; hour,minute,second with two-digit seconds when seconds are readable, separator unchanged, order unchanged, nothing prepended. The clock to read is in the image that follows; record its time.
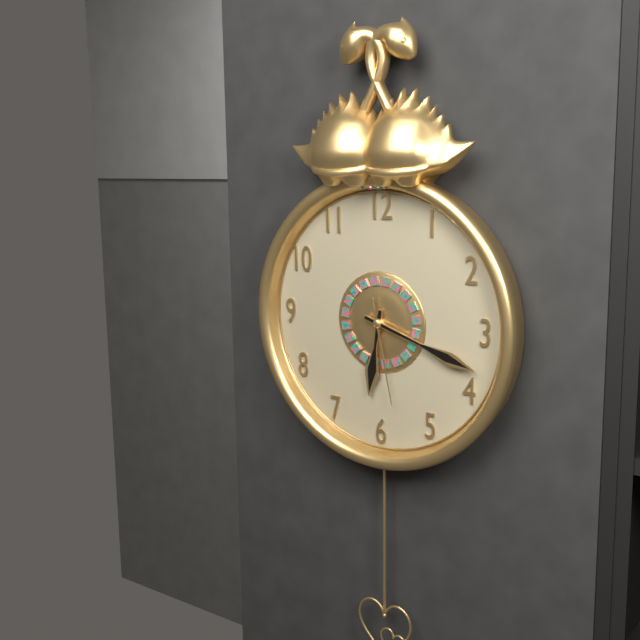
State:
6,18,28
